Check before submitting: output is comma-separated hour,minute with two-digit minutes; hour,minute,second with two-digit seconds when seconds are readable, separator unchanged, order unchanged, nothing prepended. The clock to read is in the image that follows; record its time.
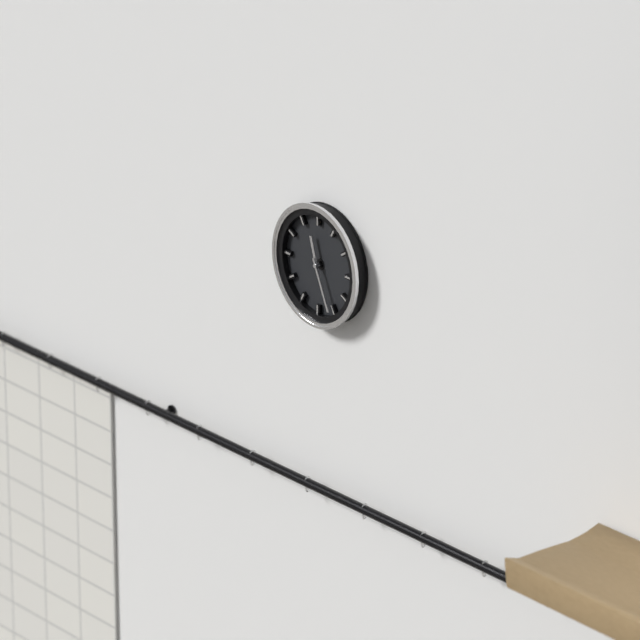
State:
11,26
